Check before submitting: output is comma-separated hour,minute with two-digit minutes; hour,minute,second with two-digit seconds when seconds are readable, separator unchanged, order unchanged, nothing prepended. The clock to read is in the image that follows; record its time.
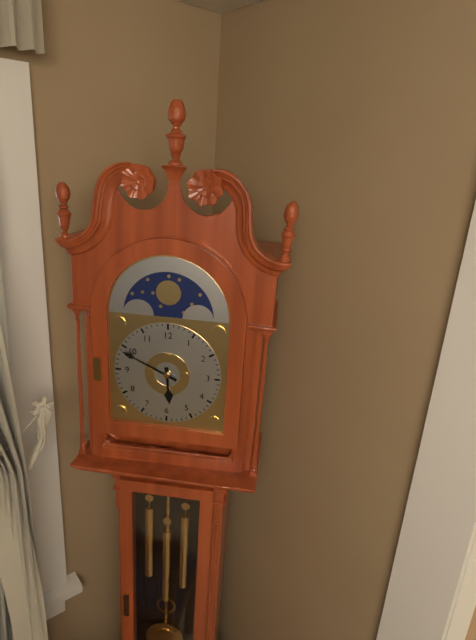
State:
5,49
